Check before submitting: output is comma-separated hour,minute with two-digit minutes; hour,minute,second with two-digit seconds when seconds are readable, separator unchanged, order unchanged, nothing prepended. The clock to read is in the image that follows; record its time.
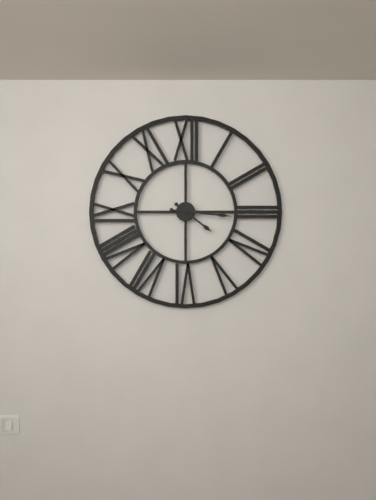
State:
4,16
